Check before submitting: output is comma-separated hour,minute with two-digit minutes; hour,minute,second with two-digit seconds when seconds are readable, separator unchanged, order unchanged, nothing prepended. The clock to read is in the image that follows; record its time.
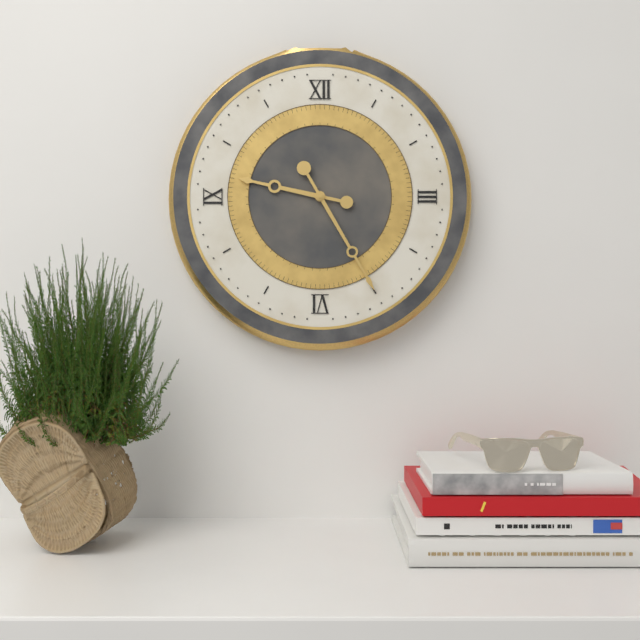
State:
9,25
